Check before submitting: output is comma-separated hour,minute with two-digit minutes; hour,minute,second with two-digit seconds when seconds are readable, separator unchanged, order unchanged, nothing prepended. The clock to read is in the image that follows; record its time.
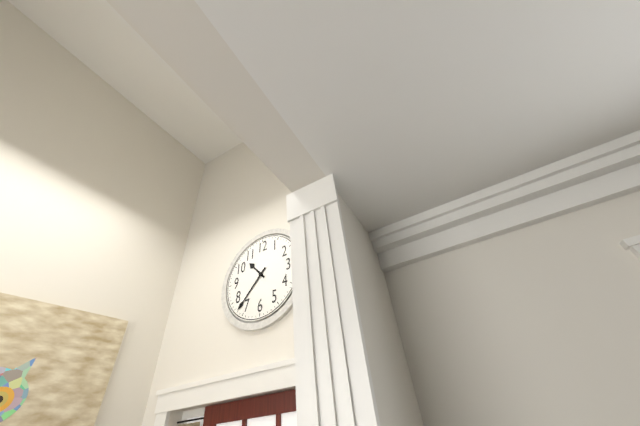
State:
10,37
